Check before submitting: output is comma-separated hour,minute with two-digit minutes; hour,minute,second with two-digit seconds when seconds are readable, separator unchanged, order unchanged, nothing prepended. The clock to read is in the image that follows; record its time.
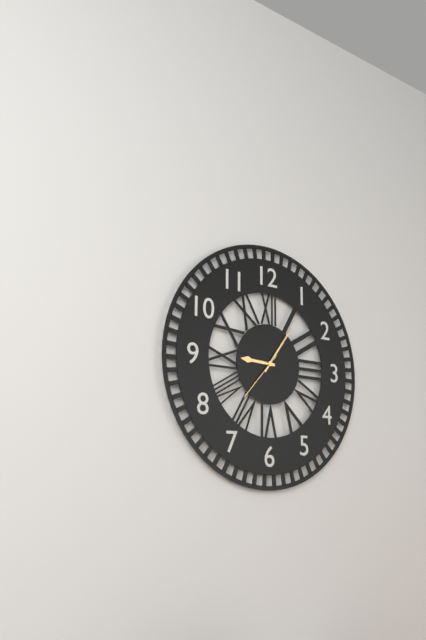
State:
9,06
